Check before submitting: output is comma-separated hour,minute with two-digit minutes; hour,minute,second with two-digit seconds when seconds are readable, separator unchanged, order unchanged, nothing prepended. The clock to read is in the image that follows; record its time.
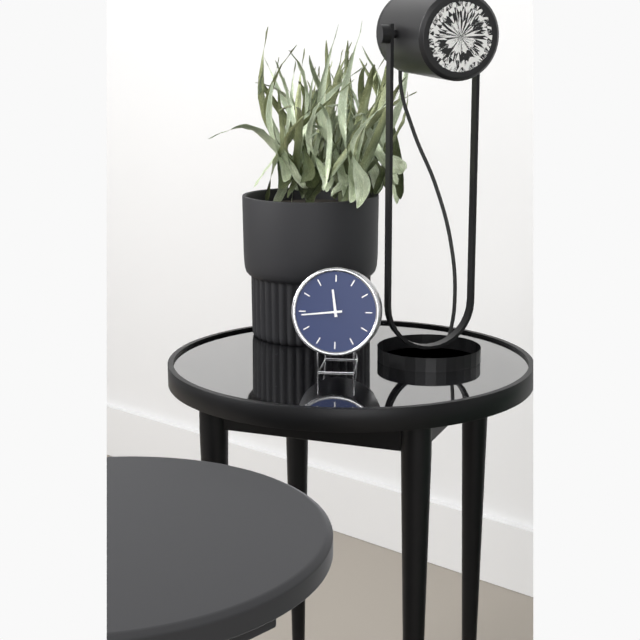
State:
11,44
